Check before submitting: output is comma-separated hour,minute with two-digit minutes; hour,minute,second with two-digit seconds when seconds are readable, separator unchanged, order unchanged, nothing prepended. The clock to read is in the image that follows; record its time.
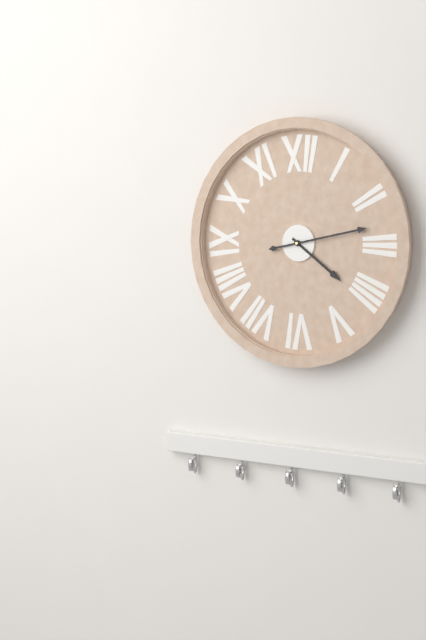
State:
4,13
